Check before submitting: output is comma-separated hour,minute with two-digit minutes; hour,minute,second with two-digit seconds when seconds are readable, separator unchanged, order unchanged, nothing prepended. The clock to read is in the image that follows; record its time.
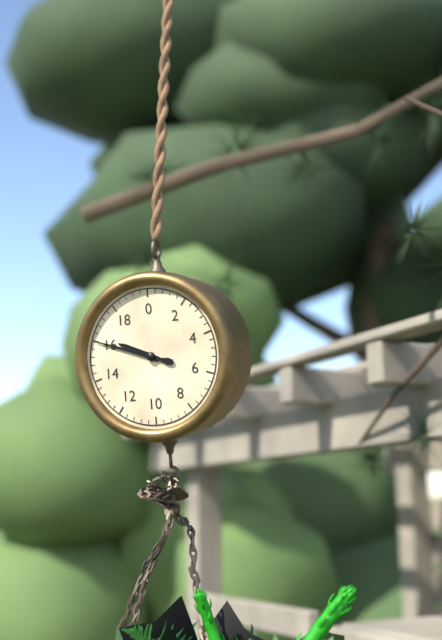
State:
9,48
